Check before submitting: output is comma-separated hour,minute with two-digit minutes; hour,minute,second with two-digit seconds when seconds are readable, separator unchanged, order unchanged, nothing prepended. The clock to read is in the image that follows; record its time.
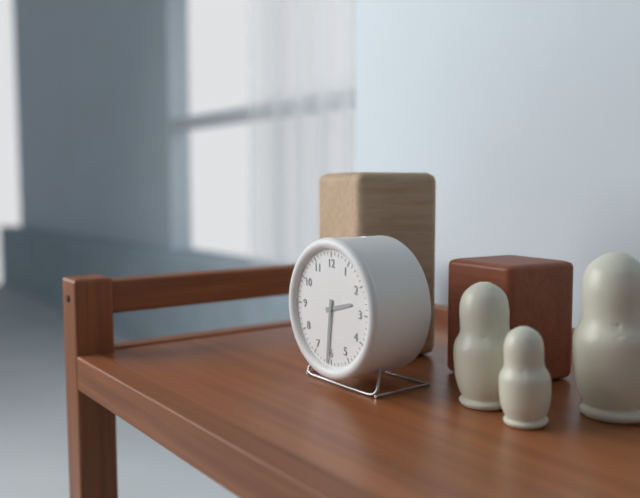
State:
2,31
